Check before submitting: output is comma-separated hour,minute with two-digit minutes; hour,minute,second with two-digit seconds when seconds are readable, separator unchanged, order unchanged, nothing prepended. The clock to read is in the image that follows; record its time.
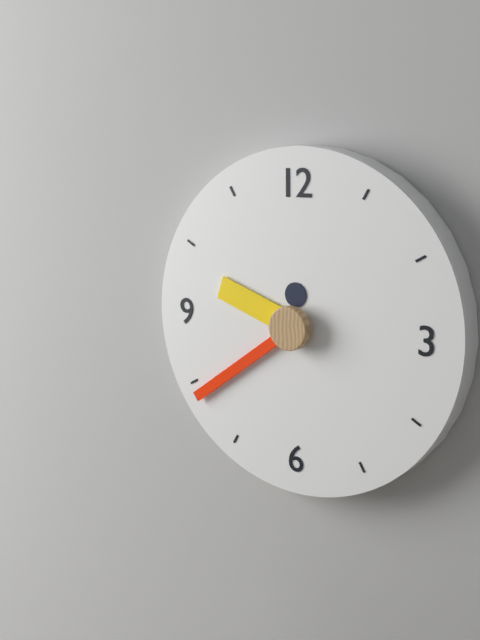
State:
9,39
